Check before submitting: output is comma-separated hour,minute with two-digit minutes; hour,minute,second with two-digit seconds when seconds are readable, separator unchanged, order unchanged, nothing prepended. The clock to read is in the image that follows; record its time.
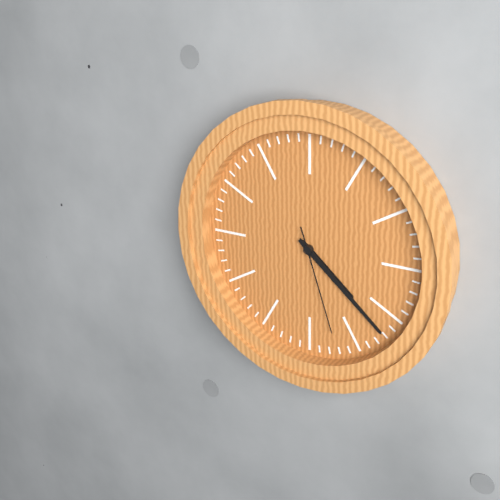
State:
4,22,27
